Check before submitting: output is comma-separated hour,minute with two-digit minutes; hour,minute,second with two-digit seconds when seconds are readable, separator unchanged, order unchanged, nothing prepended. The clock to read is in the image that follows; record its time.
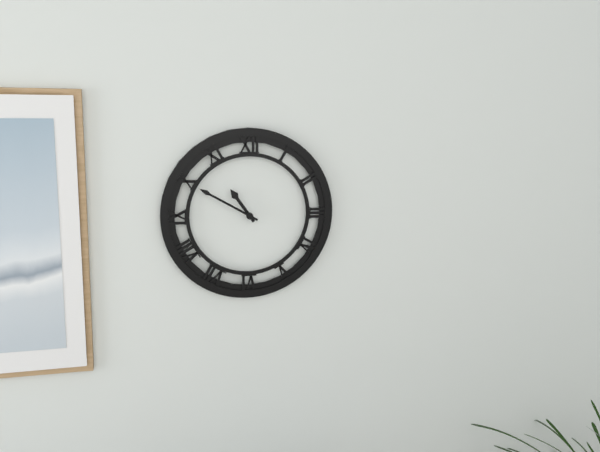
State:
10,50
